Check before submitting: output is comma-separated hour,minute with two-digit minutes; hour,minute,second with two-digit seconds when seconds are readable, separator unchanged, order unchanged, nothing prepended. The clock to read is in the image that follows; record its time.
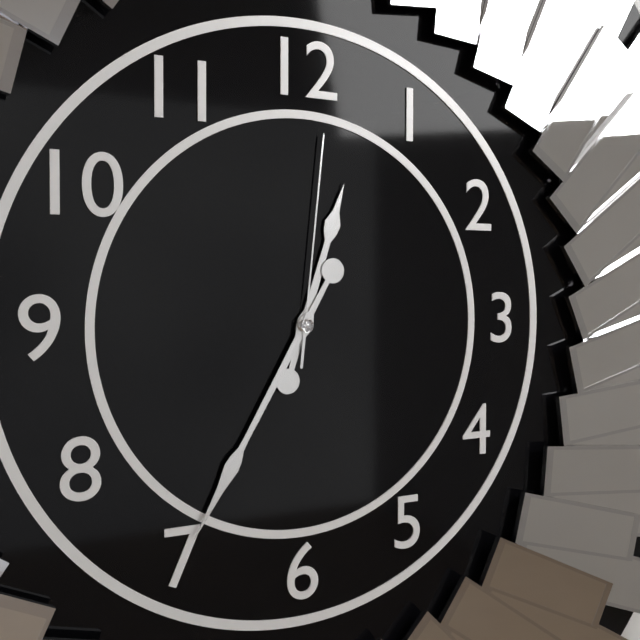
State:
12,35,01
